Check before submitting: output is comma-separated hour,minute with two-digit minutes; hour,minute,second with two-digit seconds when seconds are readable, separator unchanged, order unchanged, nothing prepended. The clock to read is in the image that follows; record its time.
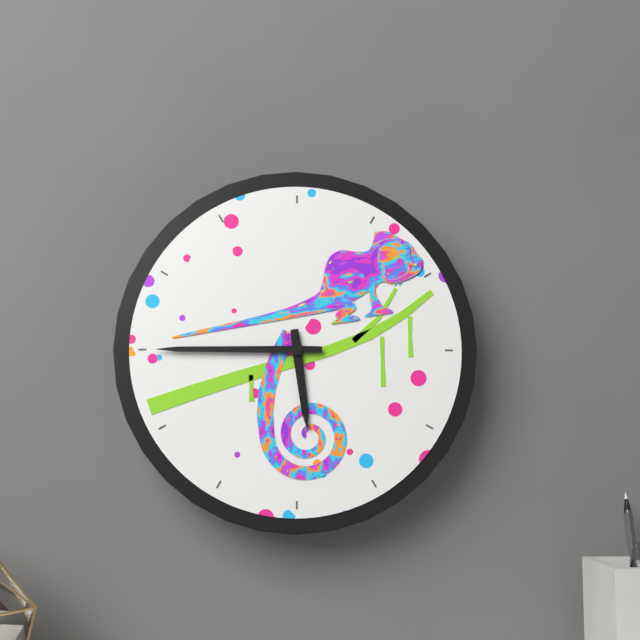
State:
5,45
